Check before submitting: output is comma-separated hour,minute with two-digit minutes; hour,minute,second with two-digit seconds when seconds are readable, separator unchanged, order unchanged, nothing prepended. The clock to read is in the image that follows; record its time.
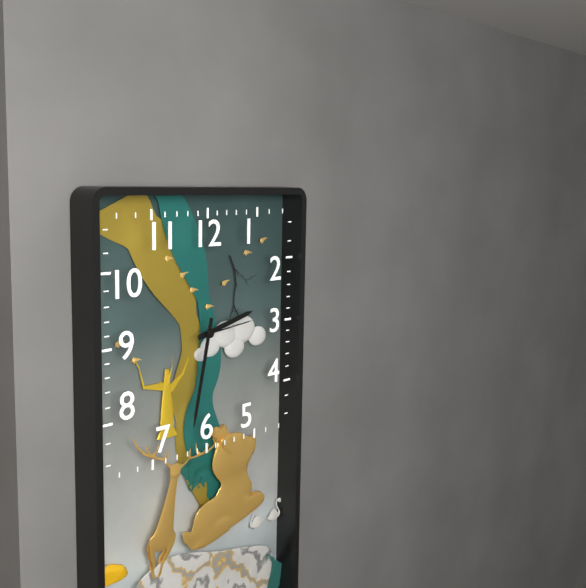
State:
2,32,14
